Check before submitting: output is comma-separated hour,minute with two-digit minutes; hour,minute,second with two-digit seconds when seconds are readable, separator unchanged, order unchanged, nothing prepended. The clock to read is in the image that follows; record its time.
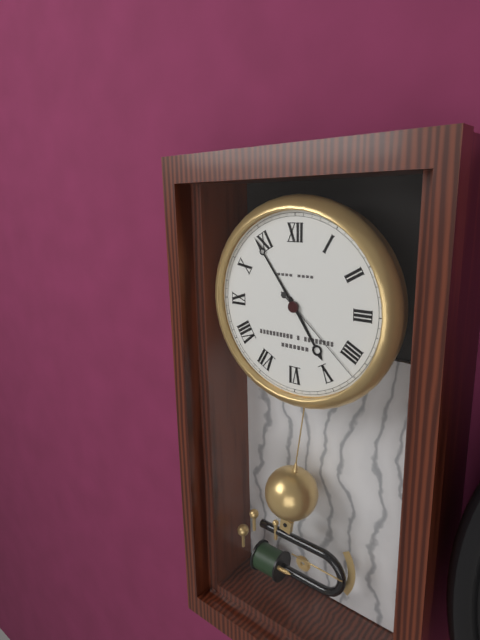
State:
4,54,22
